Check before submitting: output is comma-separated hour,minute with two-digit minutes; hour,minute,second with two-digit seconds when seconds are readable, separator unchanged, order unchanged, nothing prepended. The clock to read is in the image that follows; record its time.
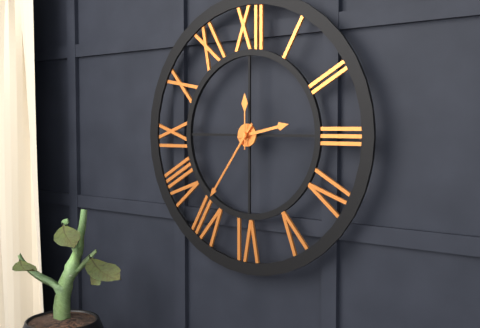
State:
2,36,00
